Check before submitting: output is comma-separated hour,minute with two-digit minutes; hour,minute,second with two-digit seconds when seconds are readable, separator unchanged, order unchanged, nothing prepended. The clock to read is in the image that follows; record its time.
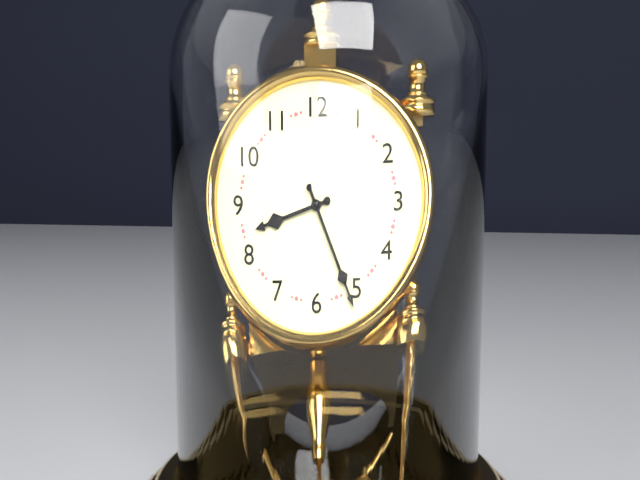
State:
8,26
